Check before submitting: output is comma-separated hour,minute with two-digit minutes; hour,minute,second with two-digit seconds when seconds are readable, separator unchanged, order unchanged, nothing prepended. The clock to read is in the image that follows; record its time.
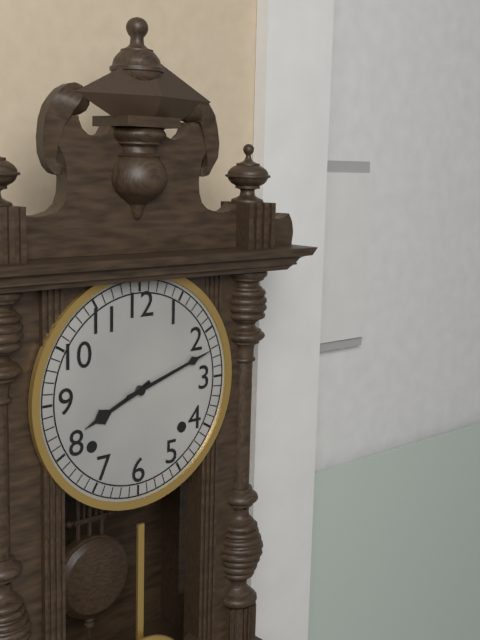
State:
8,12
